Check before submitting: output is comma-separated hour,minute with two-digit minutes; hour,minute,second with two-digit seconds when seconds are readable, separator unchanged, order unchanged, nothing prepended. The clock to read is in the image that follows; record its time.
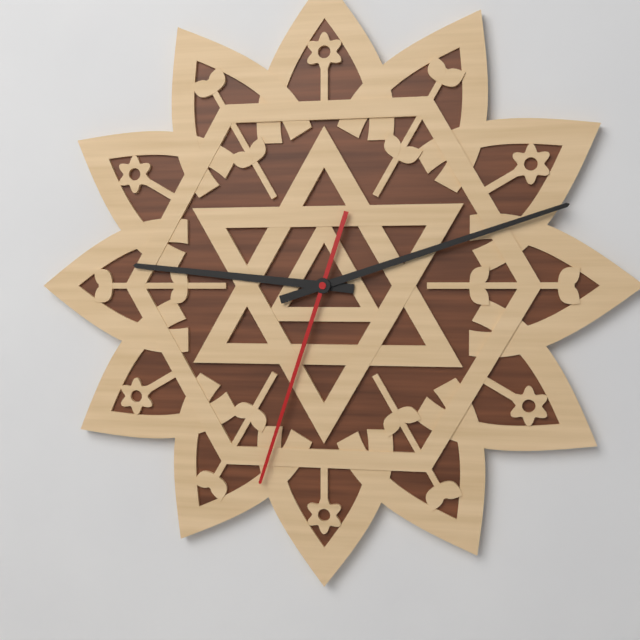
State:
9,12,33
